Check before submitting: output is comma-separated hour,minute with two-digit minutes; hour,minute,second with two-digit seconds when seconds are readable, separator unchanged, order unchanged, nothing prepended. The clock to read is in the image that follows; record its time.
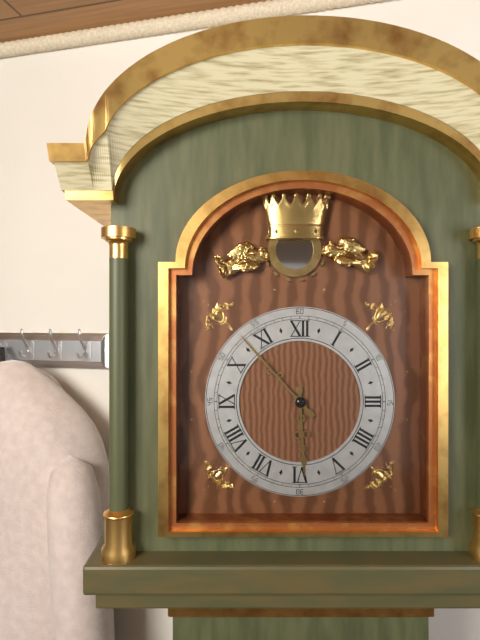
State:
5,53
